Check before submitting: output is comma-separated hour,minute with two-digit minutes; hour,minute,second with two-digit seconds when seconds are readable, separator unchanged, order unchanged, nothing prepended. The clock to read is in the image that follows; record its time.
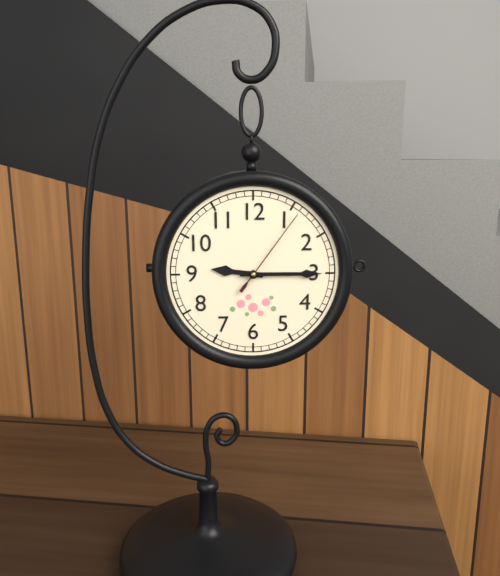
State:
9,15,06
